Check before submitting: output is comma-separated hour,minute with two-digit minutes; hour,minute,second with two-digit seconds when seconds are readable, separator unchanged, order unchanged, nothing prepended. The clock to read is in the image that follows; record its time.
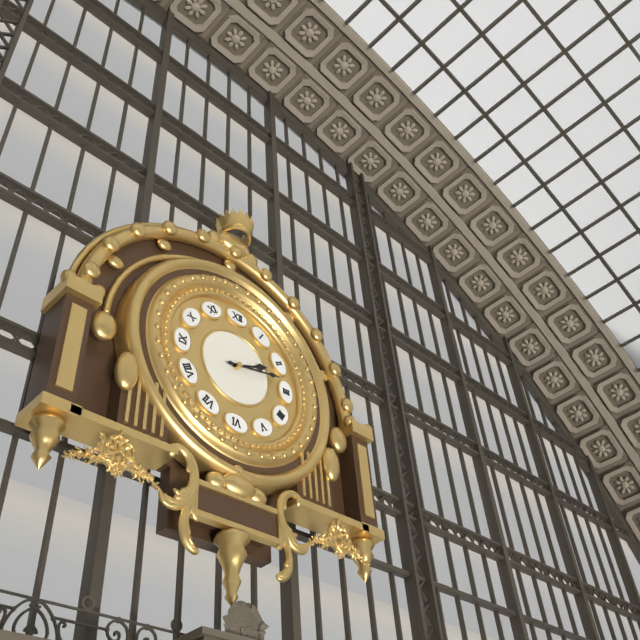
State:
2,13
